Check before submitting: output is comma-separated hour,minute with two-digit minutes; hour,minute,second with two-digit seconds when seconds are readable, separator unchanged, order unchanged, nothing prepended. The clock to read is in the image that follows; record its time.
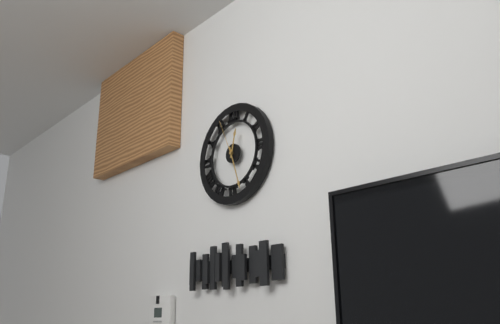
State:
12,27
